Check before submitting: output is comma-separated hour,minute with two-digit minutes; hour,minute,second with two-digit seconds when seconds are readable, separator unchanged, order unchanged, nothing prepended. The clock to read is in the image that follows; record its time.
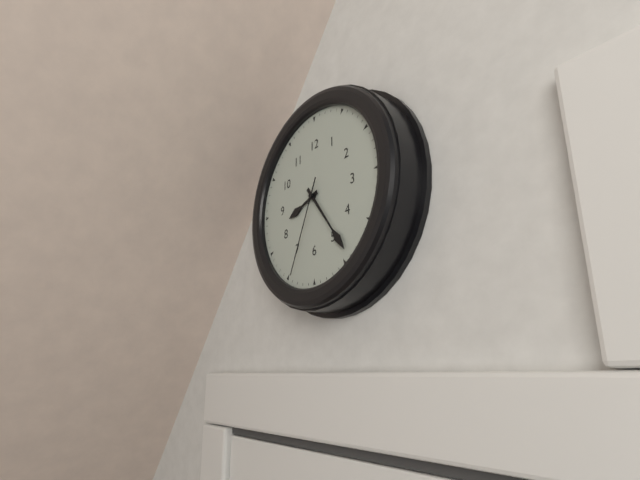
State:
8,24,34
